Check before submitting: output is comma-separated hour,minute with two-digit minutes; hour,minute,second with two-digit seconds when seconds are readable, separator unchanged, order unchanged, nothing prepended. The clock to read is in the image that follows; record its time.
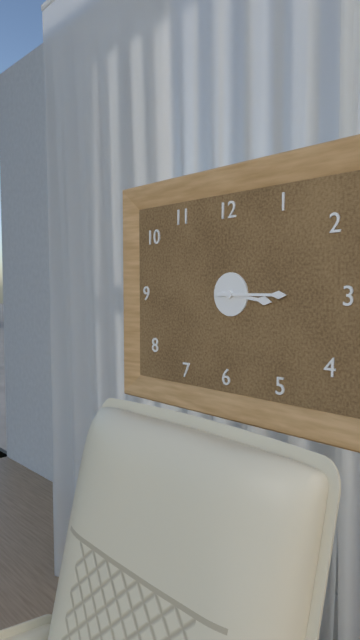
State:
3,15
